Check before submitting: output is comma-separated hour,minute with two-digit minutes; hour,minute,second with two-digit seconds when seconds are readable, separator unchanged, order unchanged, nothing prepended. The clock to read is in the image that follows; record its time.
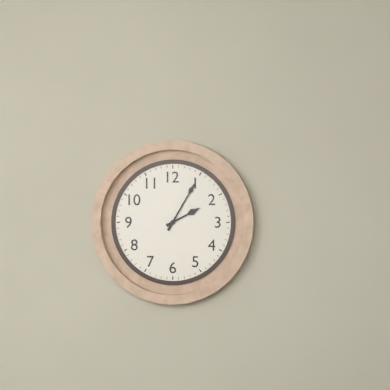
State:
2,05
